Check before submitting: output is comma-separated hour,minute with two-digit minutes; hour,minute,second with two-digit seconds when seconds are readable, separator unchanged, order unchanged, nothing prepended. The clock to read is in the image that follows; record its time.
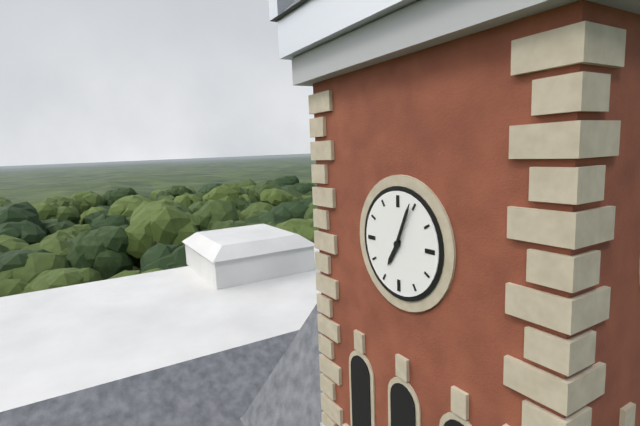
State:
7,04
